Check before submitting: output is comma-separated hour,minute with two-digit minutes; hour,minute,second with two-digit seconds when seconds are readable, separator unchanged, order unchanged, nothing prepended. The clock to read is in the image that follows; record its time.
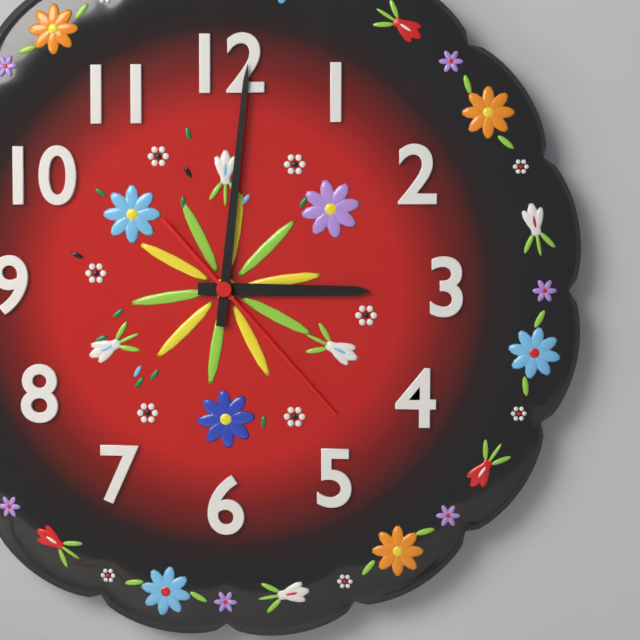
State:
3,01,23
